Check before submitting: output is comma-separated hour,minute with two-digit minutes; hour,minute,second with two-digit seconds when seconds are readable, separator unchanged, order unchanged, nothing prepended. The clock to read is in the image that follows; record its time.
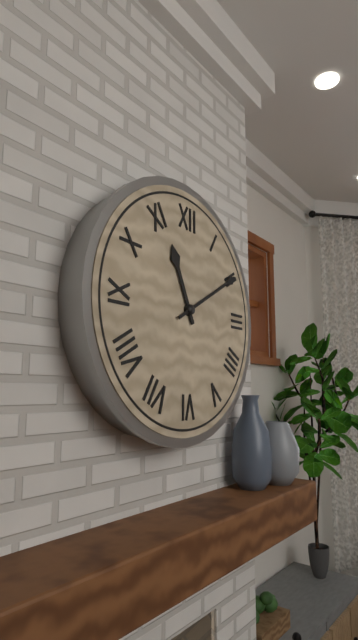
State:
11,10
